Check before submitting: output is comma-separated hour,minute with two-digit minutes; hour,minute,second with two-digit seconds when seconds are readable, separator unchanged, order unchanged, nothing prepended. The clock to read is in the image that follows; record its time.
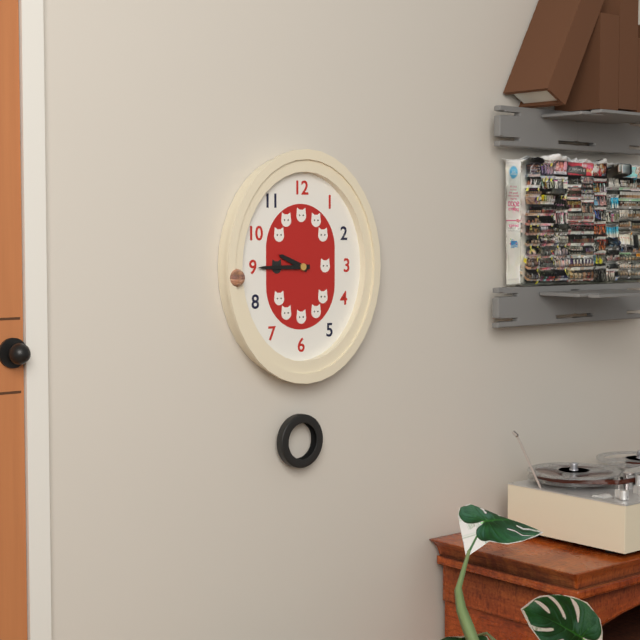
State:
9,45
